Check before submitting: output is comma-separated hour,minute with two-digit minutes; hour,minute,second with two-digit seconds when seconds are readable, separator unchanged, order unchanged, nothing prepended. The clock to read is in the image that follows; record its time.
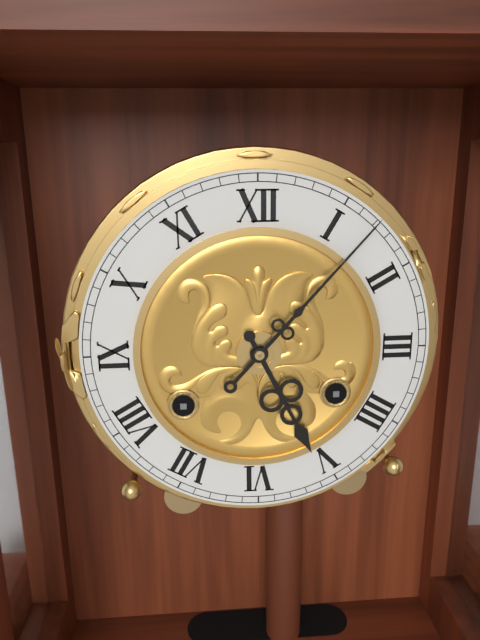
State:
5,07
